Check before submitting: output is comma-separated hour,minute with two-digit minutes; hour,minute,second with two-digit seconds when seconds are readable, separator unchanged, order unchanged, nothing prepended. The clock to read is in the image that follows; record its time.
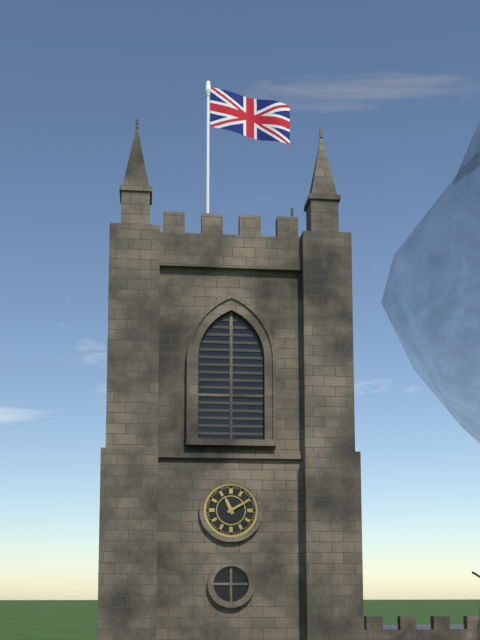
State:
11,10
